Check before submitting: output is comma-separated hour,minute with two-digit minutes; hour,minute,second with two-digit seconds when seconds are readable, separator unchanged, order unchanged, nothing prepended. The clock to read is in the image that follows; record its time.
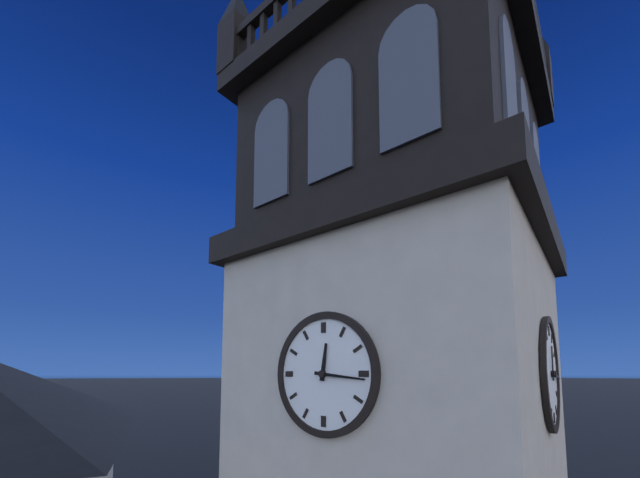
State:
12,16
